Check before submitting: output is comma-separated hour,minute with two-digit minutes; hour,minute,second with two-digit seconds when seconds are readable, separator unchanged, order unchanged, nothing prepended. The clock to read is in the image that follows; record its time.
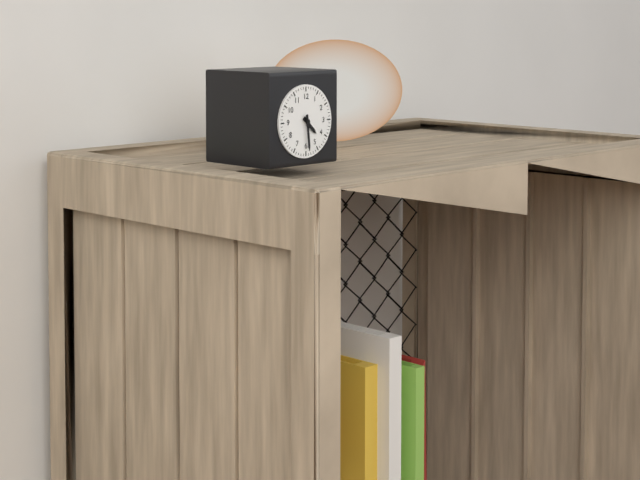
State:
4,29
